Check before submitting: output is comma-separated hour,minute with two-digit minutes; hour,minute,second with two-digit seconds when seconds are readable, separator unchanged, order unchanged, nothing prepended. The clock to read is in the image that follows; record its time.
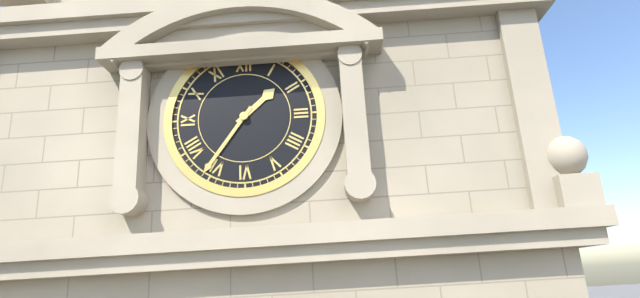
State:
1,36
